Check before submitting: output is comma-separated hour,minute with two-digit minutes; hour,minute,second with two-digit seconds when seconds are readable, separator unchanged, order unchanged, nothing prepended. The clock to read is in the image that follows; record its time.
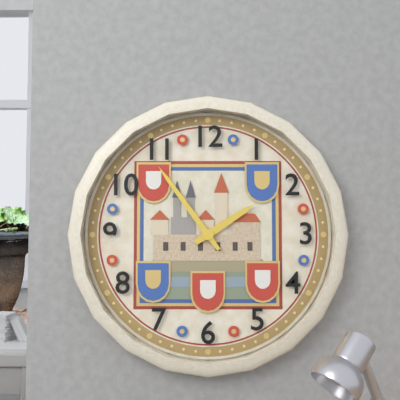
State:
1,54
